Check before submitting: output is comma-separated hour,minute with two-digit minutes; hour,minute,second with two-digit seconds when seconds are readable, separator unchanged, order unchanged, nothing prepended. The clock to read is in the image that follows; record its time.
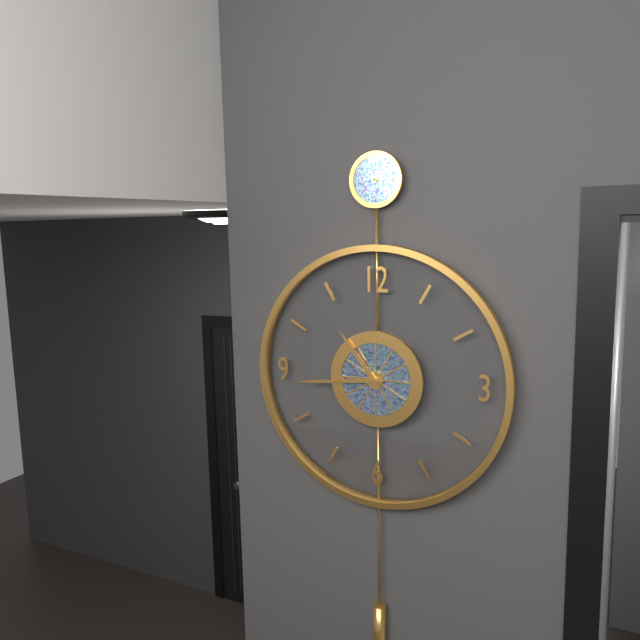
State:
10,44
